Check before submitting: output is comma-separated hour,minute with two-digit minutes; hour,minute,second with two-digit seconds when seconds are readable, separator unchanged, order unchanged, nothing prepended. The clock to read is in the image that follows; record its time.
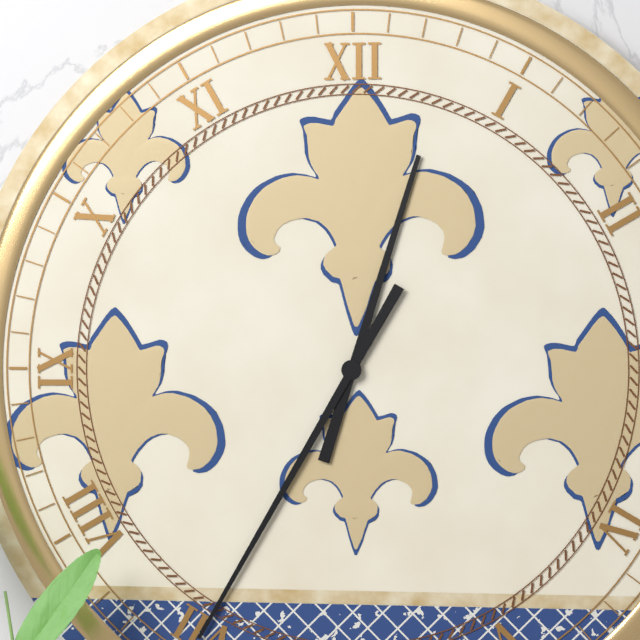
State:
12,35
